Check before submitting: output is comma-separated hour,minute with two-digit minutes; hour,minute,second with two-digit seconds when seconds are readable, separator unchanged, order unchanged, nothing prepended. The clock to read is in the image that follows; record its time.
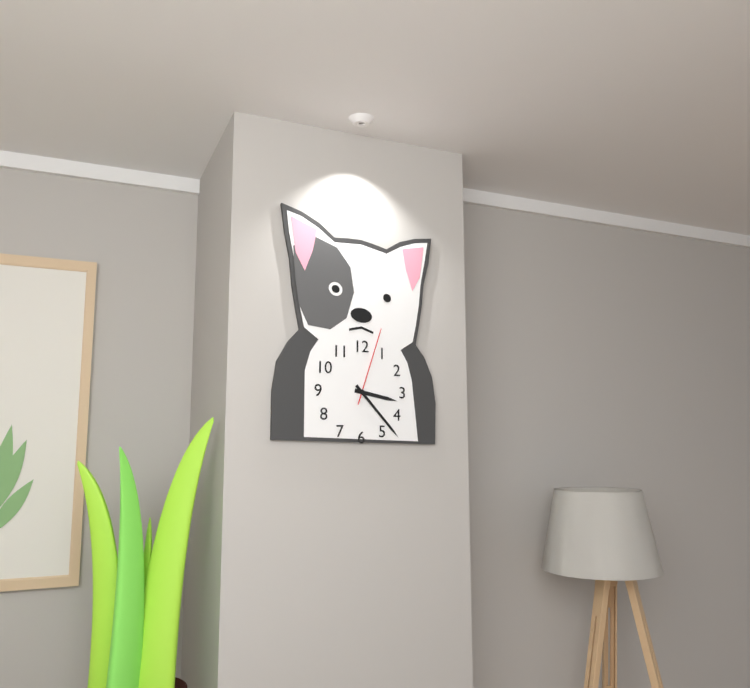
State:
3,23,03
